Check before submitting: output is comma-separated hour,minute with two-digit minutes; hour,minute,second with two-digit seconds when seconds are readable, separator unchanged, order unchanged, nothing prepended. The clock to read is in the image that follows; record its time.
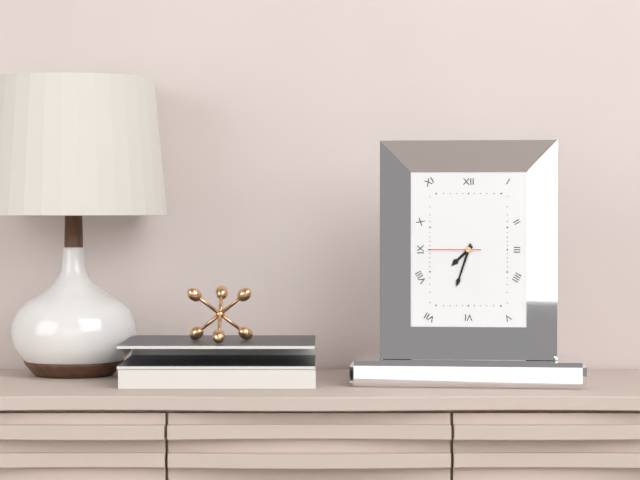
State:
7,33,45
